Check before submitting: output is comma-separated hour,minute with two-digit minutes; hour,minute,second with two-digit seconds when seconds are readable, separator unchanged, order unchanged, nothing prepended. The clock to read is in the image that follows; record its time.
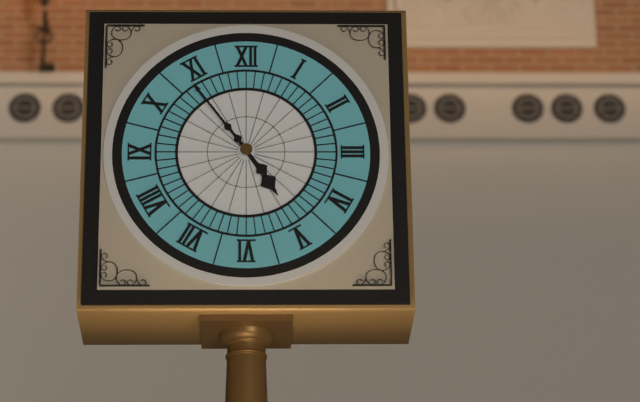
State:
4,54
